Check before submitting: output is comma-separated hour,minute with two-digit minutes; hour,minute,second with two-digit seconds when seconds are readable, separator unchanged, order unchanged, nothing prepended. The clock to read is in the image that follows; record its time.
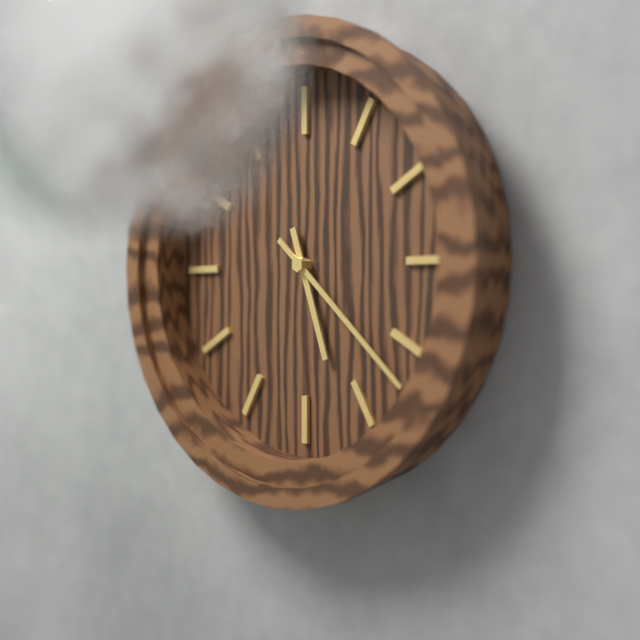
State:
5,22
